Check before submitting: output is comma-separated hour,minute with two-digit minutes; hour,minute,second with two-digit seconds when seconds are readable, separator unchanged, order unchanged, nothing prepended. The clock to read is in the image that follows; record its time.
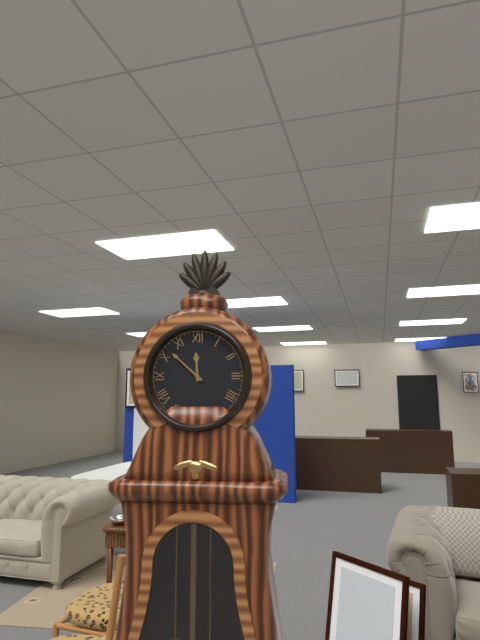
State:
11,52
